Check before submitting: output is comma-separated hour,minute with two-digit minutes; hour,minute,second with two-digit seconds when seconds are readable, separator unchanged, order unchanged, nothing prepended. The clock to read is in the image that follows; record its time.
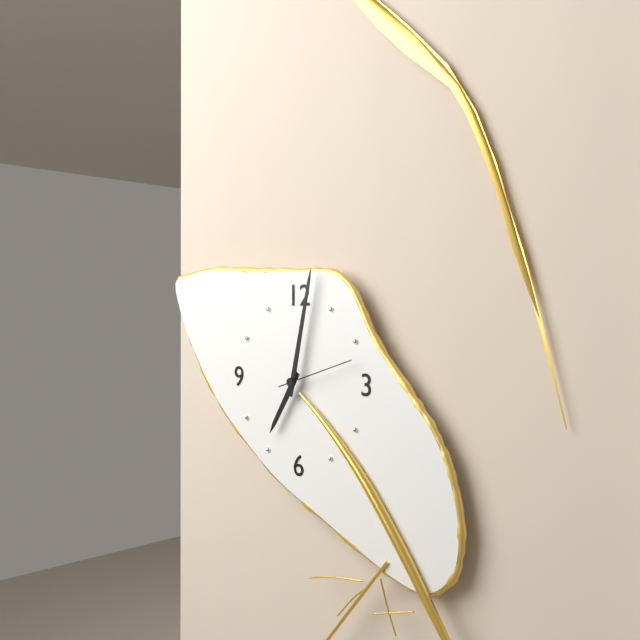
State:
7,02,12
